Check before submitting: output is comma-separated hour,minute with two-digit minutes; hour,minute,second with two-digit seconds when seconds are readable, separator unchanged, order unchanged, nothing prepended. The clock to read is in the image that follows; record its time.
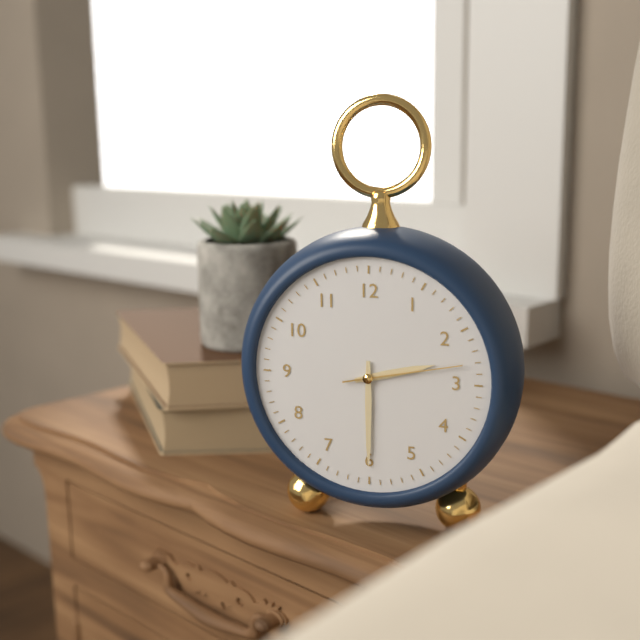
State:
2,30,13
